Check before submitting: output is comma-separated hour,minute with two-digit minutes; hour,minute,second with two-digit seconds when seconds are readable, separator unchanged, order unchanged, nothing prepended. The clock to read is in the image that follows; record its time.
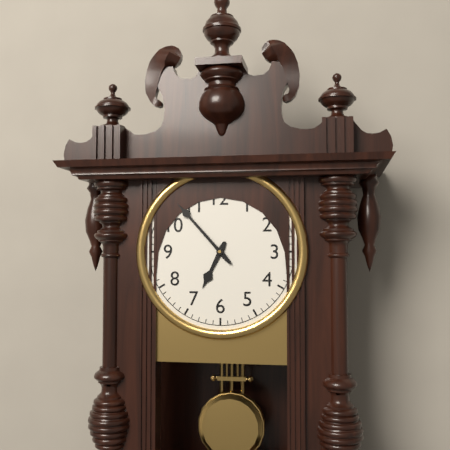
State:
6,53
